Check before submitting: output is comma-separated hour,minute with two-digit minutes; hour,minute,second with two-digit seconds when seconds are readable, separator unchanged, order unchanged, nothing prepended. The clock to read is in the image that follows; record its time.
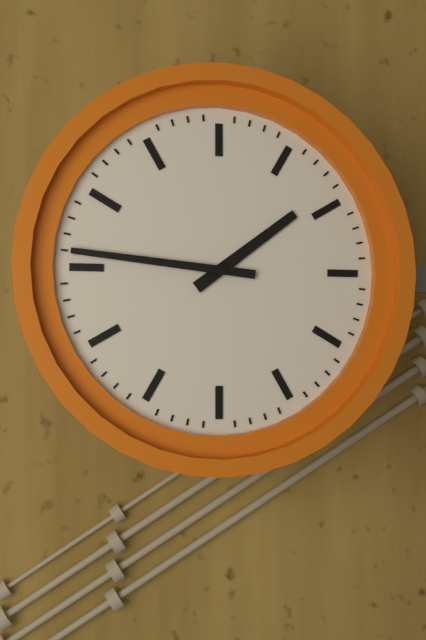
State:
1,46
